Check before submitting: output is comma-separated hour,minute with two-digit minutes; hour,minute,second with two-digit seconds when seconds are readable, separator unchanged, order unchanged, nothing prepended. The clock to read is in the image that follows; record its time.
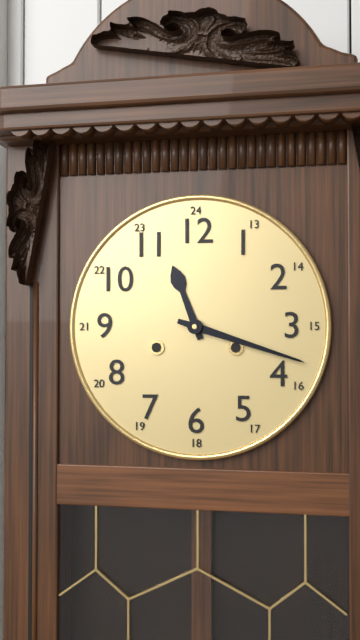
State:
11,18
